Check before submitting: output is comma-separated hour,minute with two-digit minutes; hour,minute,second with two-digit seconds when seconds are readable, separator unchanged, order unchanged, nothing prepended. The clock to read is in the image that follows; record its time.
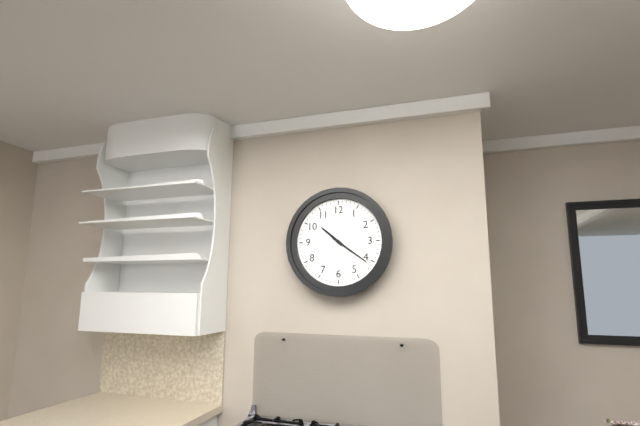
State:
10,21
